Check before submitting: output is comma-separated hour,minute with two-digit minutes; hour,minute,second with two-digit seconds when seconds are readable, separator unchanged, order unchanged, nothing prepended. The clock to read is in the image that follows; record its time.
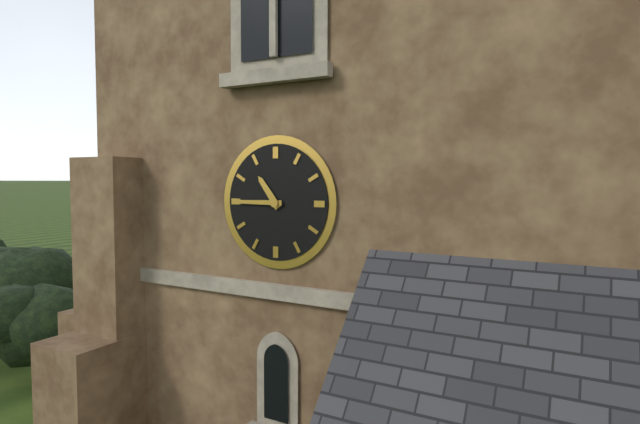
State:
10,45
